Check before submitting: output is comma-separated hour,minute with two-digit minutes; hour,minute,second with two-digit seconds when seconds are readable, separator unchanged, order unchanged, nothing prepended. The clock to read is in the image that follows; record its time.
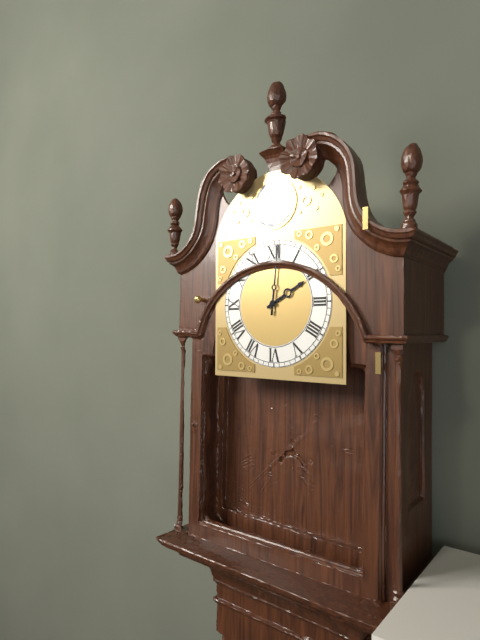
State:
2,01
